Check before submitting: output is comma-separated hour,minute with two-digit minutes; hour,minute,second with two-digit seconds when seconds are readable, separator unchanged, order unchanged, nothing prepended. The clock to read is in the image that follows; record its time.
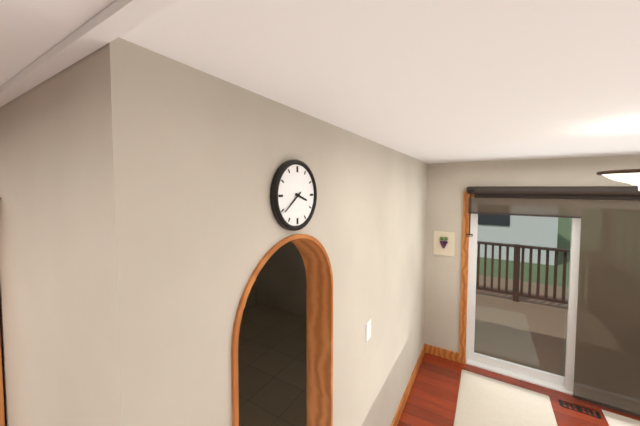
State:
3,39
